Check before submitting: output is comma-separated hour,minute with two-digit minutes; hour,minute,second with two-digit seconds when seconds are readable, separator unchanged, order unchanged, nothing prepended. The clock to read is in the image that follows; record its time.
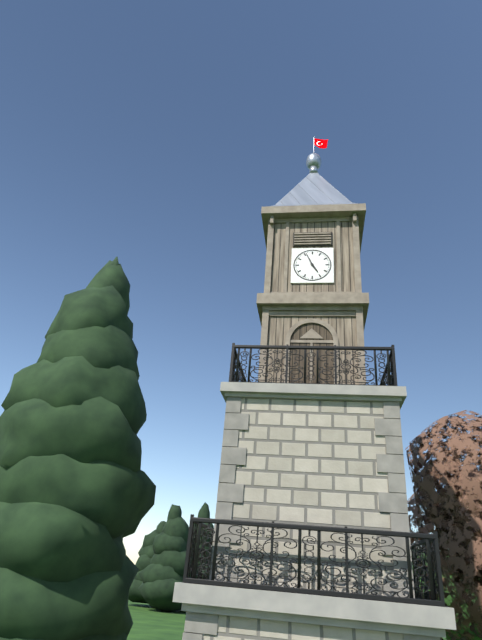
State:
4,56
